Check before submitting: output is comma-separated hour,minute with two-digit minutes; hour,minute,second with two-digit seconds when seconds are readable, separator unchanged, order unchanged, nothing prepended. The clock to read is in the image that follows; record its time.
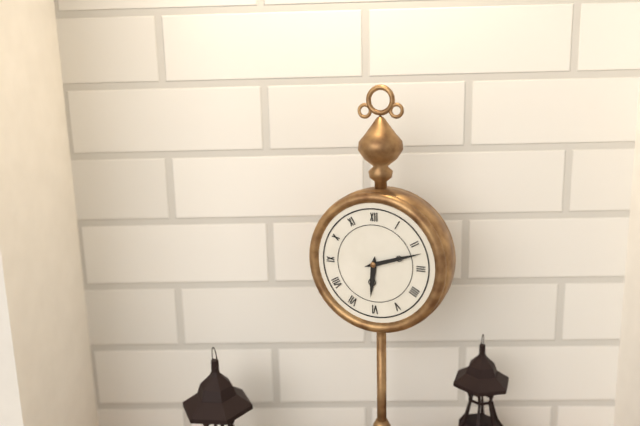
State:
6,12
